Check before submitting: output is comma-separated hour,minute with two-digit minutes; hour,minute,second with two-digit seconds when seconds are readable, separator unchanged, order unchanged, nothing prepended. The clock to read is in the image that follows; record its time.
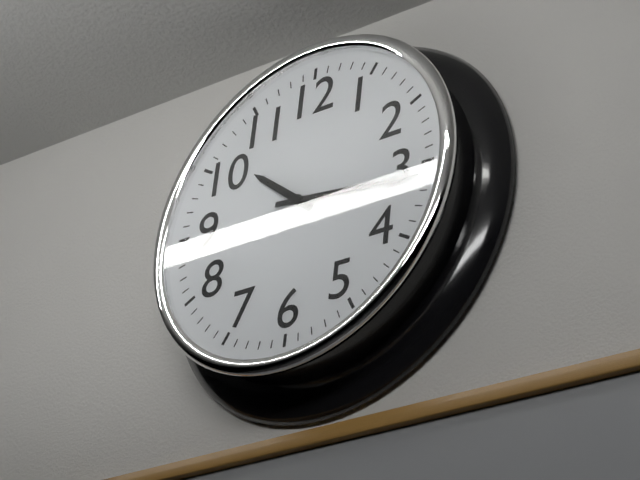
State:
10,16
